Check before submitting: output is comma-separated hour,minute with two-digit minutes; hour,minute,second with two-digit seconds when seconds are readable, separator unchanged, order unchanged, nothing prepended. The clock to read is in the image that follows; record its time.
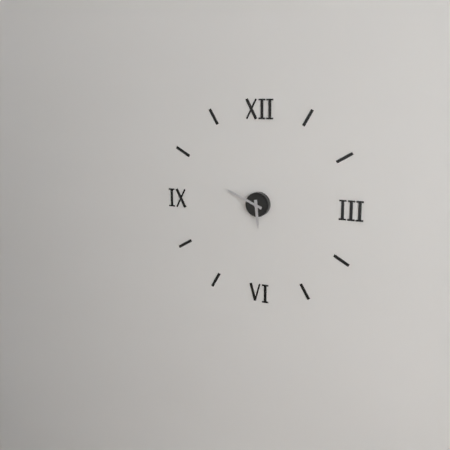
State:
5,49
